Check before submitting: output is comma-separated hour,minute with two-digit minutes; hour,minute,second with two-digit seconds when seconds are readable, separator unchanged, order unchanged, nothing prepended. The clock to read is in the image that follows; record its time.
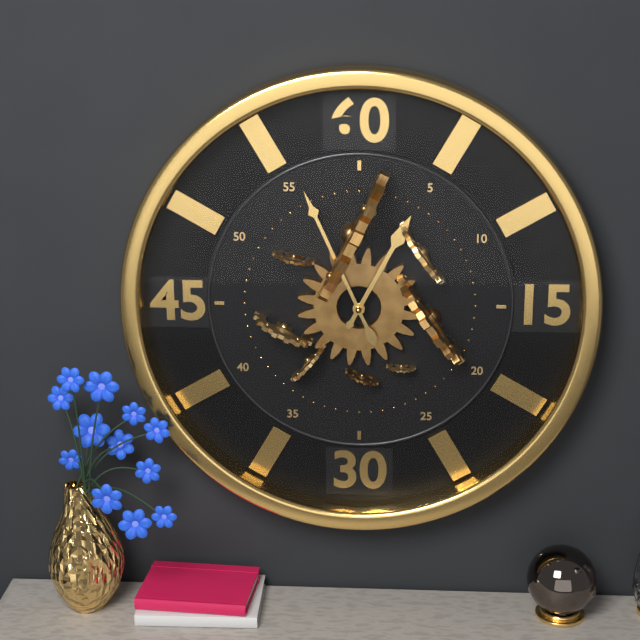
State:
12,56
